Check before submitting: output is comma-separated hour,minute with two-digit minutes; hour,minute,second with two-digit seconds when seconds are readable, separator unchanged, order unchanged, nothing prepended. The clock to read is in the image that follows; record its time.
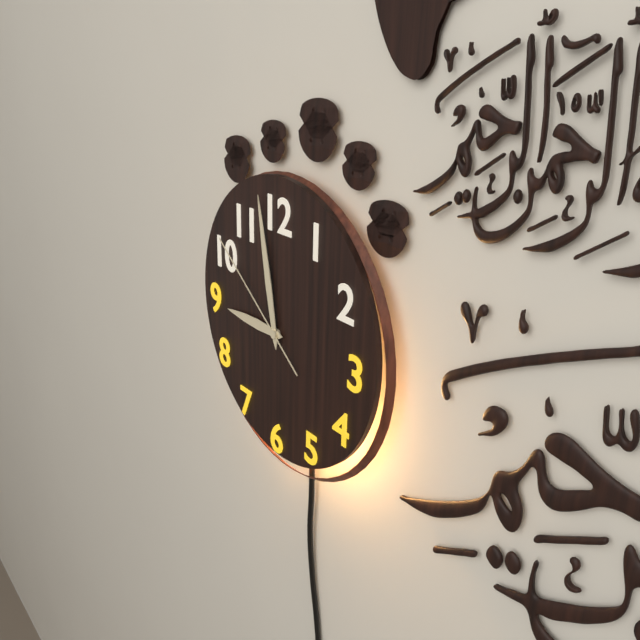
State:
8,58,51
